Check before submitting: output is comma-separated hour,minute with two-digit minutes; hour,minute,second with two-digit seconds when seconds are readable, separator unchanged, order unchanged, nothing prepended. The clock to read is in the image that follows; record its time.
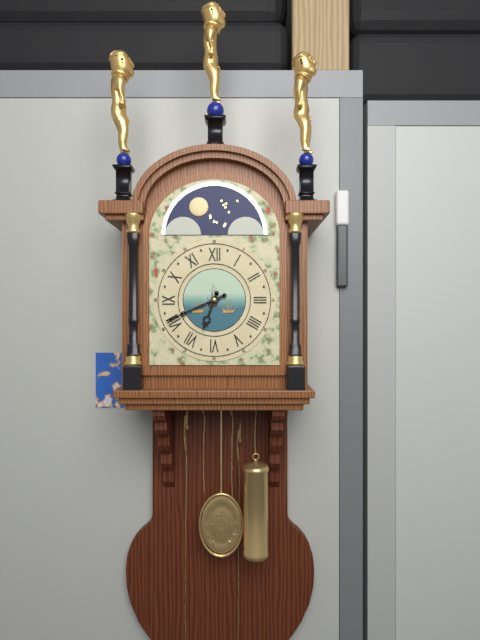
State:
6,41
